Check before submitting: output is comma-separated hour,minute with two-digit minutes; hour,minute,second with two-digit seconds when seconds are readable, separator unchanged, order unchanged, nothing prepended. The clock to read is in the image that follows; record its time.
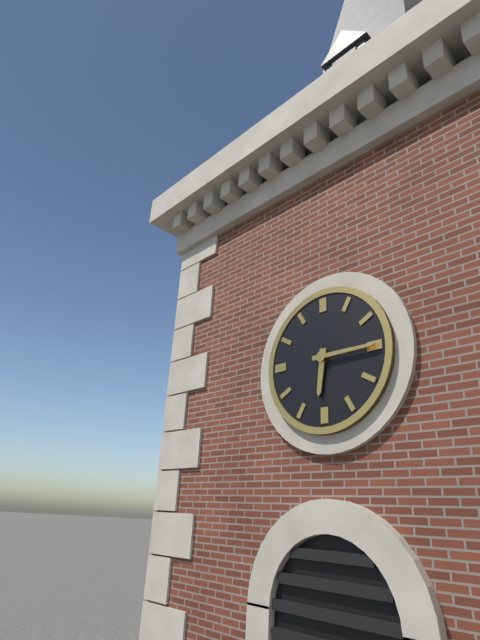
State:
6,15
